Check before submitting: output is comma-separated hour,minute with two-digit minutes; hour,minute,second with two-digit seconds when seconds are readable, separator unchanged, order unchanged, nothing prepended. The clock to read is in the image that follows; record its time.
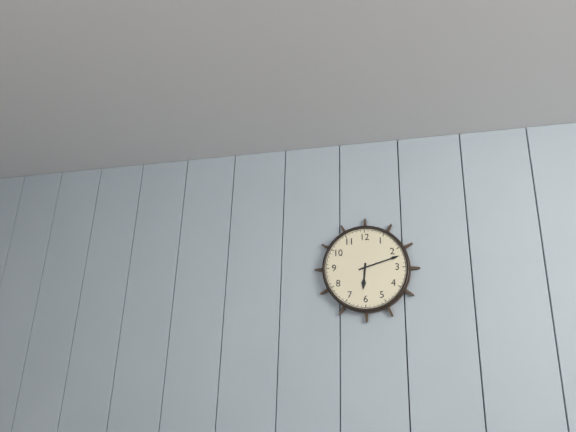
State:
6,12
